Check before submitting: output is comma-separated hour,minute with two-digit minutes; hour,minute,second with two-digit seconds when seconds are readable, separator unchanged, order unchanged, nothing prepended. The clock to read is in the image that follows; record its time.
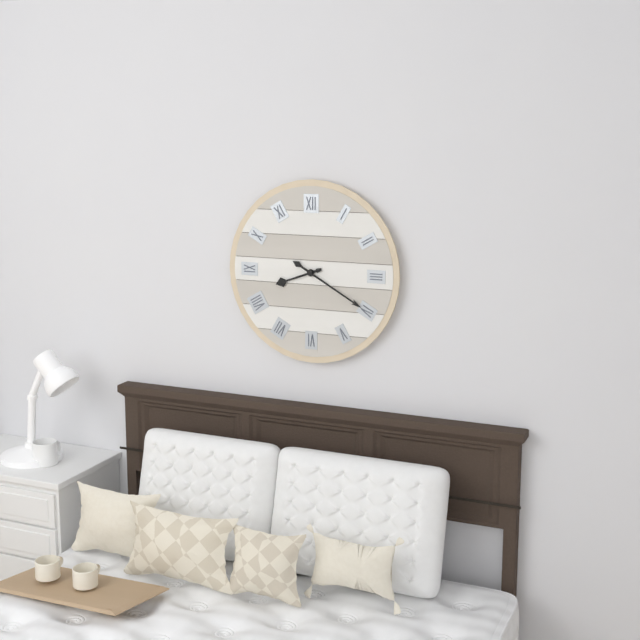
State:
8,20
